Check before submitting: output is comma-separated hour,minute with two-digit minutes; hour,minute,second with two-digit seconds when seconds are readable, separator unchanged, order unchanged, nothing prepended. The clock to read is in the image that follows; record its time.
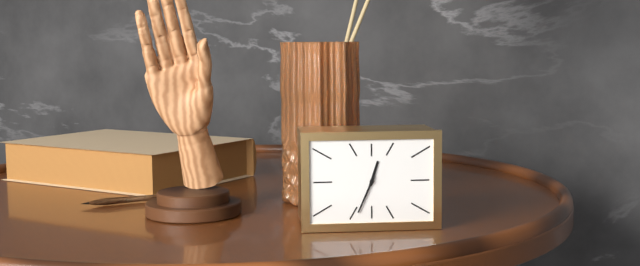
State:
12,34
